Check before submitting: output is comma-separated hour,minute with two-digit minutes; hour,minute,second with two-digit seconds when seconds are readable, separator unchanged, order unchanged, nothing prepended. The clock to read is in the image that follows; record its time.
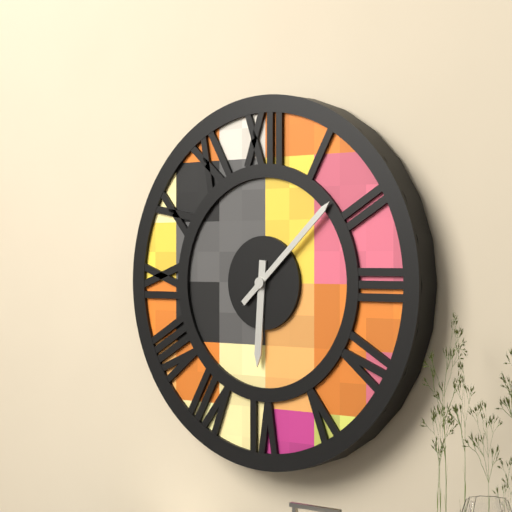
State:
6,08
